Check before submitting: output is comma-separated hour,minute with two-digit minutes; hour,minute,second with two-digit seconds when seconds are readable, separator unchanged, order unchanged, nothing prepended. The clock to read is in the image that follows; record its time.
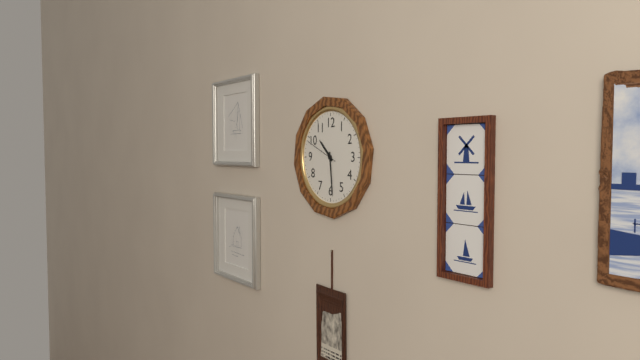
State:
10,29
